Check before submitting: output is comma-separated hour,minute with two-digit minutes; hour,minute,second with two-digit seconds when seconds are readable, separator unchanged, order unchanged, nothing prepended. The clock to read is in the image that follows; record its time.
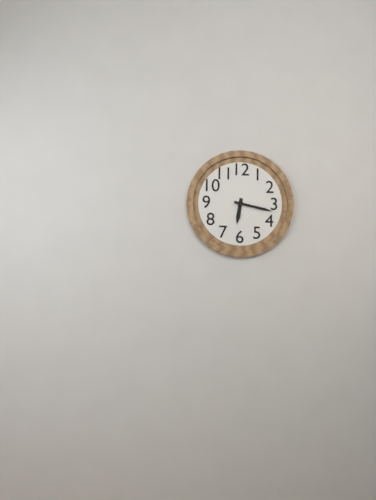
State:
6,17
